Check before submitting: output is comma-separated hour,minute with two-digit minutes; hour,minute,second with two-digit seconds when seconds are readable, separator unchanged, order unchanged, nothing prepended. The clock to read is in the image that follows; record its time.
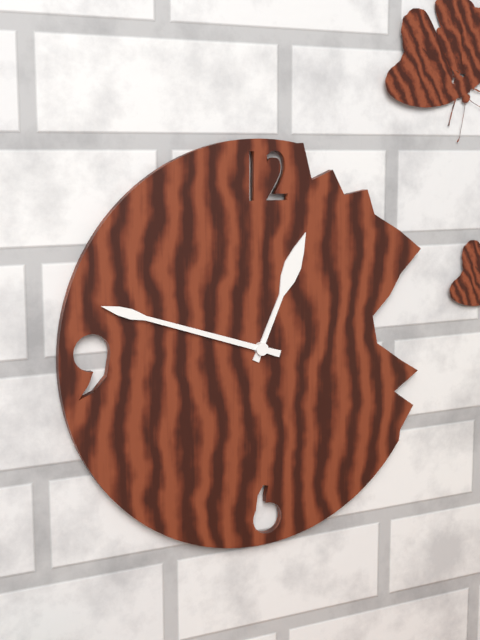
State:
12,48
